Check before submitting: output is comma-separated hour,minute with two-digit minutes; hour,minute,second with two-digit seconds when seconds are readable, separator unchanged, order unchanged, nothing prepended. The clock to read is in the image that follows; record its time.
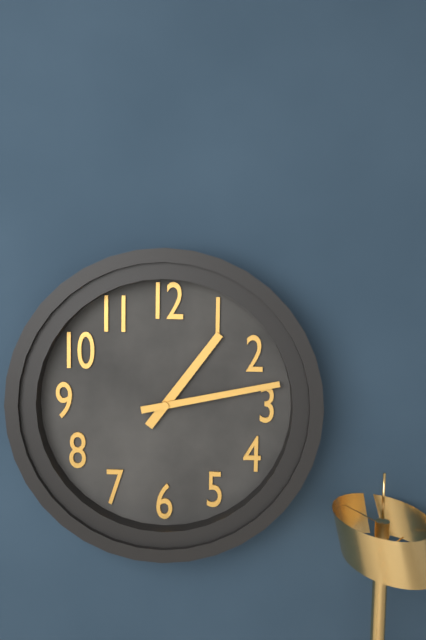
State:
1,13
